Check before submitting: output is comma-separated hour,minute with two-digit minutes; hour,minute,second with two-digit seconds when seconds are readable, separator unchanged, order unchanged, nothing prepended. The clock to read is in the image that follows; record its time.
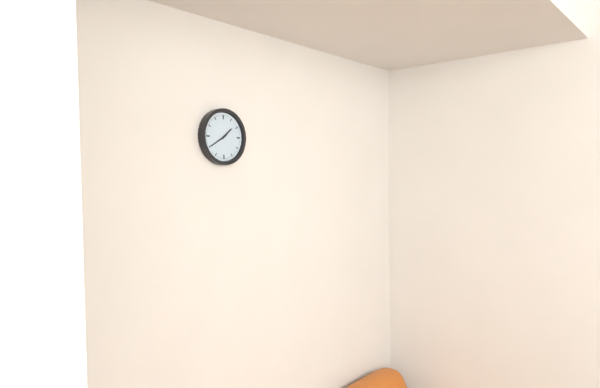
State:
1,40
